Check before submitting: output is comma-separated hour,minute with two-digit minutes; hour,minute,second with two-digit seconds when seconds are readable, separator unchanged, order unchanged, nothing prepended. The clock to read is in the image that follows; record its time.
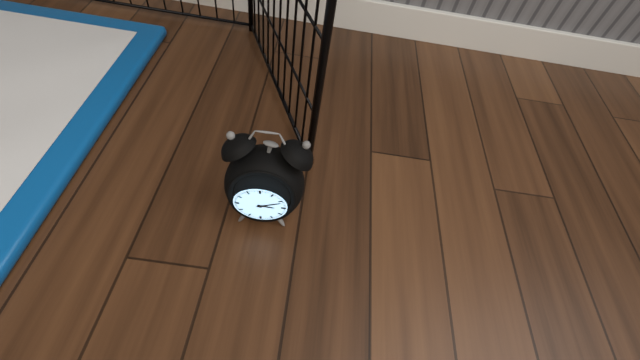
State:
3,11
